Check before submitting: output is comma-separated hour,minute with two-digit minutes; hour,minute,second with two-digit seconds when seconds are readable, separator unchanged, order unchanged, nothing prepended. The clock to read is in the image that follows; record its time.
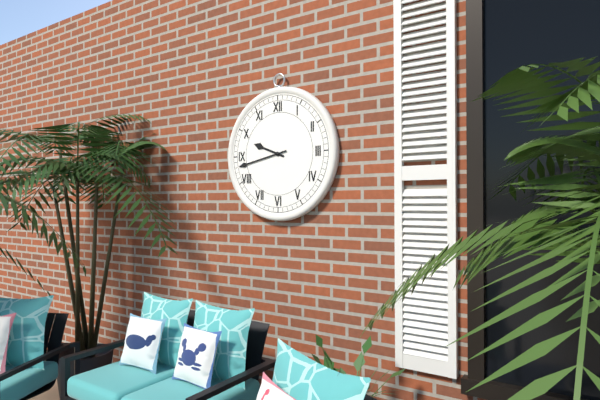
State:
9,43
